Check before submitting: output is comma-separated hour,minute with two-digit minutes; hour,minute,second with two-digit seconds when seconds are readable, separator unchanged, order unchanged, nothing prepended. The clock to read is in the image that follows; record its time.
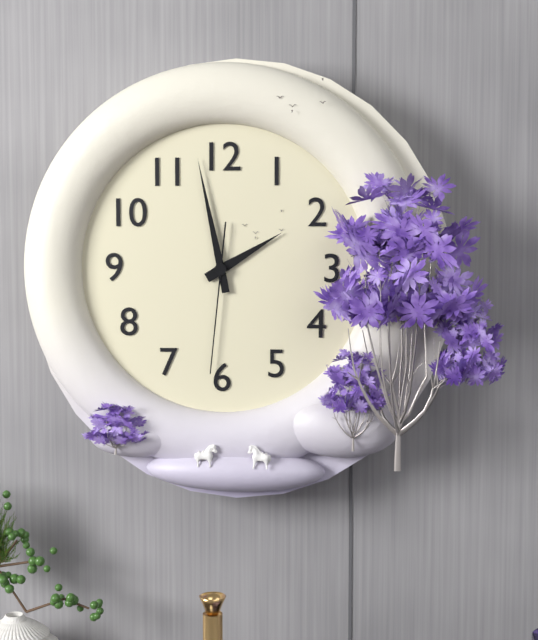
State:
1,58,31
